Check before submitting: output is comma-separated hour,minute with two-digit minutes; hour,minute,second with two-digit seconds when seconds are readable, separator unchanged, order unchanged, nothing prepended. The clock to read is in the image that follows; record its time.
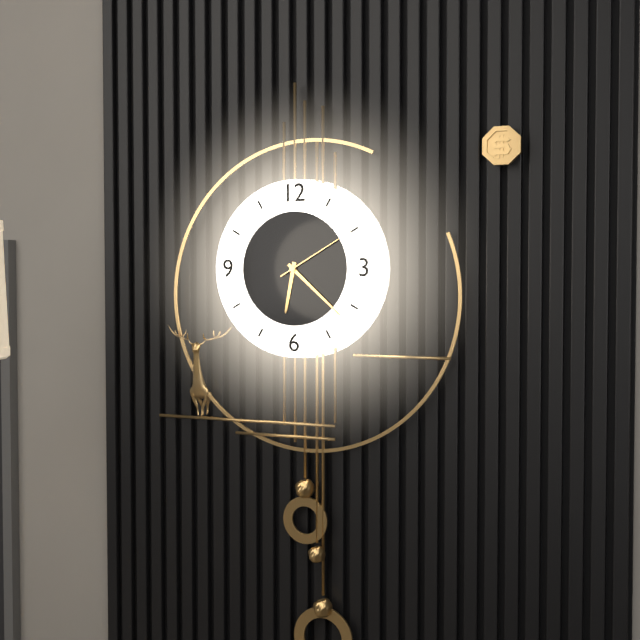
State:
6,22,10
